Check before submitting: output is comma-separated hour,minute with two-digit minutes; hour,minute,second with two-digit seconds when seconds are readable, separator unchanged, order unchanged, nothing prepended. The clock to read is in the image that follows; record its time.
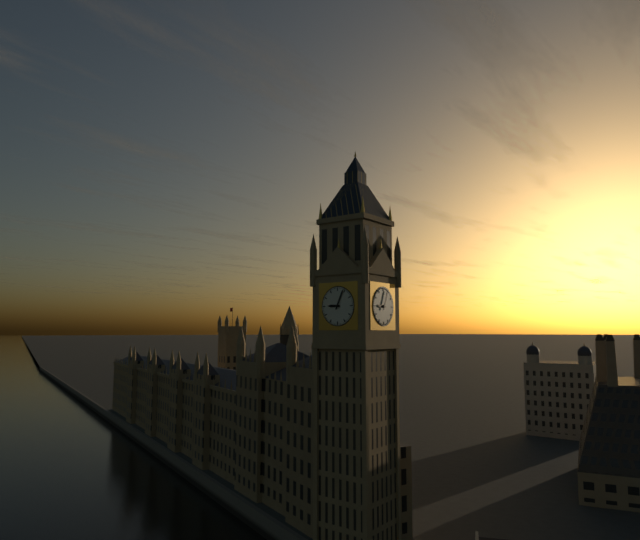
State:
9,04
